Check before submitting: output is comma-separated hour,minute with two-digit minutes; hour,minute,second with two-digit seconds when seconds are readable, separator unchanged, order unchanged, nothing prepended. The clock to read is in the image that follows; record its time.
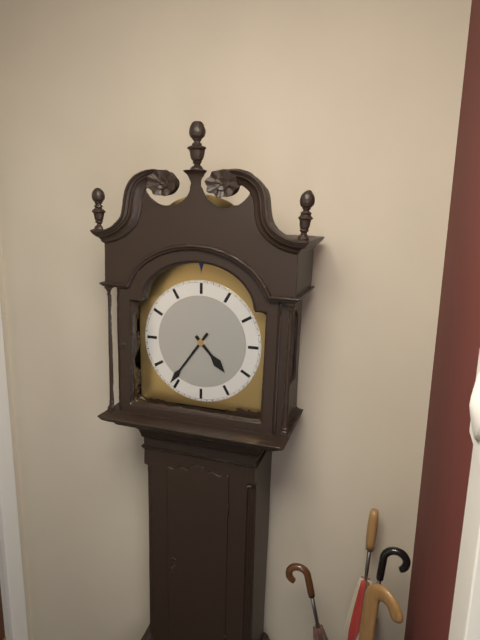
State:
4,36
